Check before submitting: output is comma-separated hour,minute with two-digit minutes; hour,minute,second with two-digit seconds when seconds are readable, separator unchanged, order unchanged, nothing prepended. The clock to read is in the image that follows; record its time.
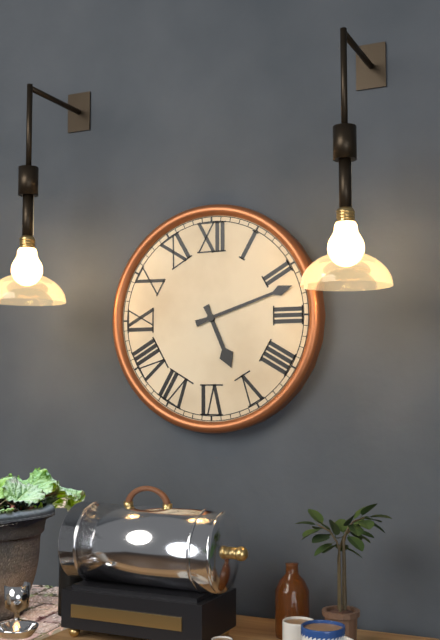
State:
5,12
